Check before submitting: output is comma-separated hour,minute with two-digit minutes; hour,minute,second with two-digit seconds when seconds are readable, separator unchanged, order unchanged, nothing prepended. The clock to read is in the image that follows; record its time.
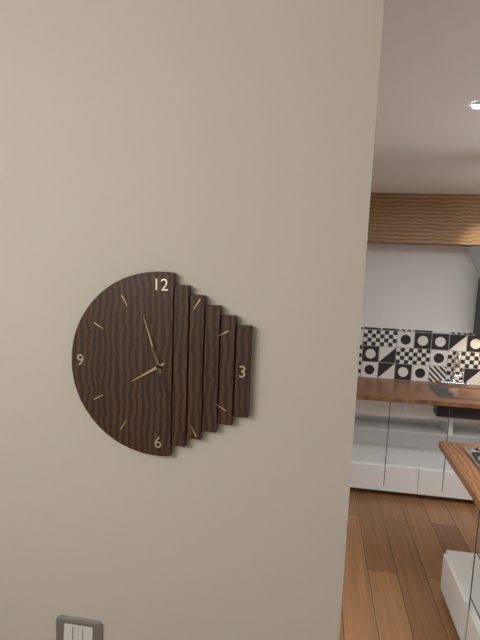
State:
7,57,27
